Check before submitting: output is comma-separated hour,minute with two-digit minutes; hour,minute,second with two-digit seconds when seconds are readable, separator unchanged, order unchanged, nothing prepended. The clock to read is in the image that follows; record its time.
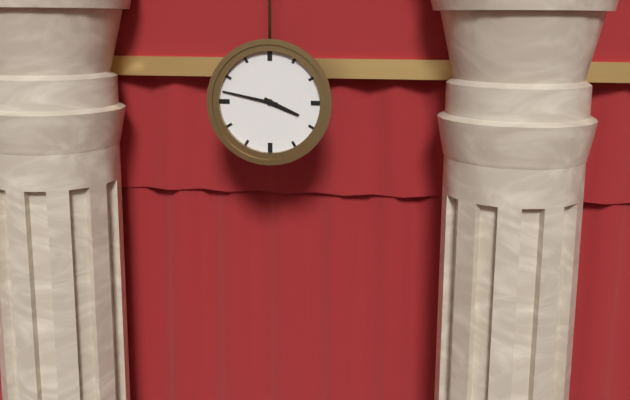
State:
3,47
